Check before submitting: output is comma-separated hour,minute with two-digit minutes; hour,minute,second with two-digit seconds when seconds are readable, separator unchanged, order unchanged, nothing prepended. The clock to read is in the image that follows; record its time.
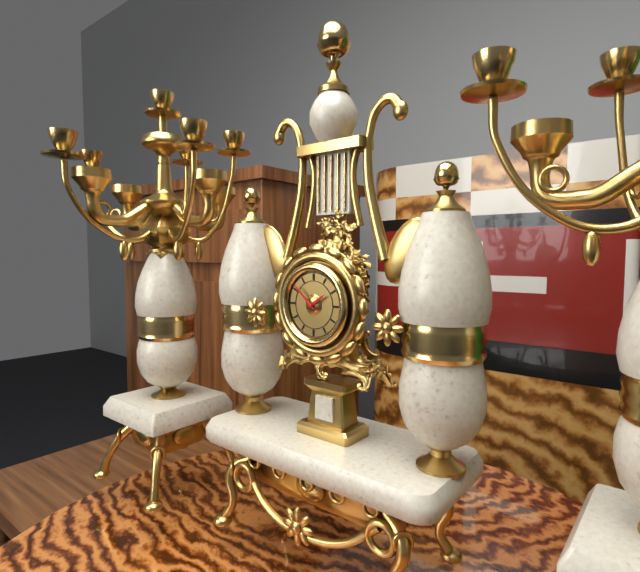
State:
1,52
